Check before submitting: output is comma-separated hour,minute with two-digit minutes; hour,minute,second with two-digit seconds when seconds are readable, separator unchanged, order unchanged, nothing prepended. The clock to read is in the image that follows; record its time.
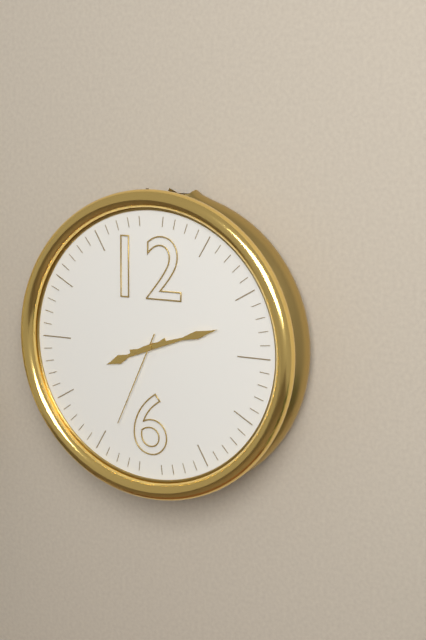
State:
8,12,34
